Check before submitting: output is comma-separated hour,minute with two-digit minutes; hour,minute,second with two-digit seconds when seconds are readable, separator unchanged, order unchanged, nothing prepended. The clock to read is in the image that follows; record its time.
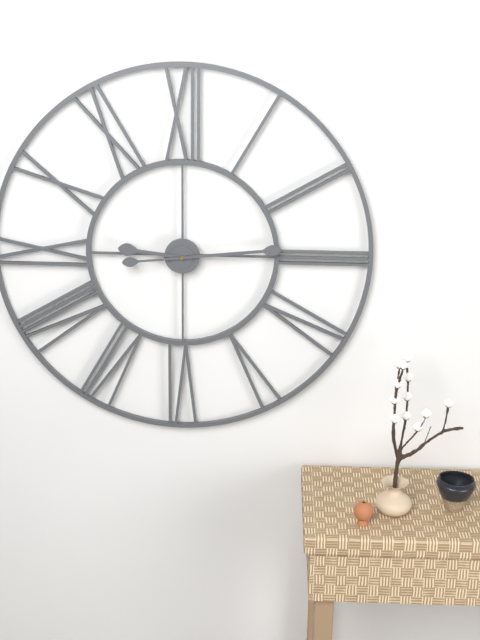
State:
9,14,44
